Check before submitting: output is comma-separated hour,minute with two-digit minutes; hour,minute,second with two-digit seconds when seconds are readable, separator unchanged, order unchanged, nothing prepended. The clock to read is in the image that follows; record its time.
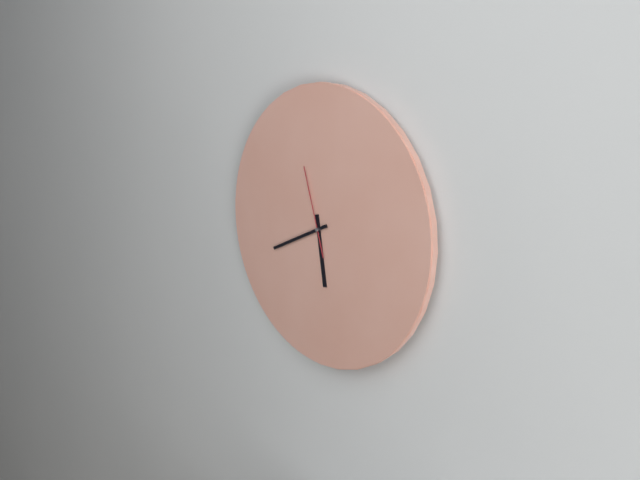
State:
5,41,57
